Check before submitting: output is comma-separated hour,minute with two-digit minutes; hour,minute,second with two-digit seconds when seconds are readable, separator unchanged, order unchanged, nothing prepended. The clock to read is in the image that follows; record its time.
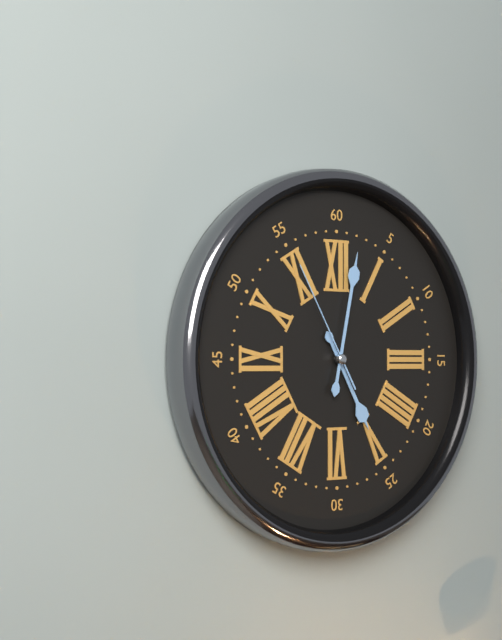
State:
5,02,55
